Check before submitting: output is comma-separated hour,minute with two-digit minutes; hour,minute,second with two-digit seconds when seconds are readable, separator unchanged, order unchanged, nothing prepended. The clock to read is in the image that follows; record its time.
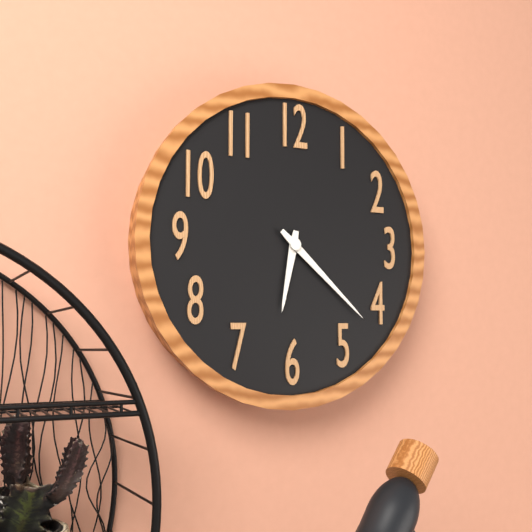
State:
6,22
